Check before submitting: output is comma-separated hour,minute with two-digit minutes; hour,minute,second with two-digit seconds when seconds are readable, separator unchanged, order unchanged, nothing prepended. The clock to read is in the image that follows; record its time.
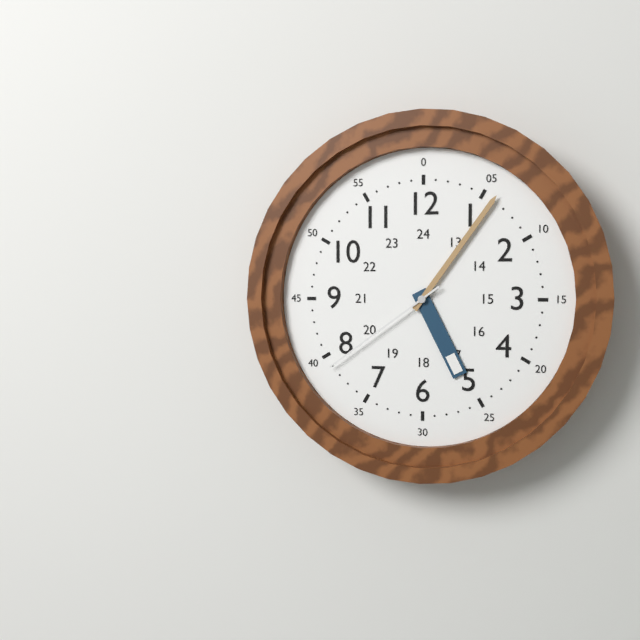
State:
5,06,39
